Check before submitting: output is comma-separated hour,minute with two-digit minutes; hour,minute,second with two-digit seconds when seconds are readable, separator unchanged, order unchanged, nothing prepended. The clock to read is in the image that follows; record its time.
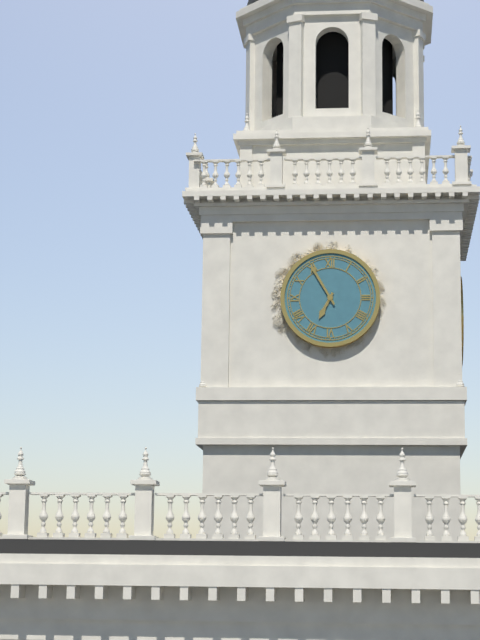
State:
6,55
